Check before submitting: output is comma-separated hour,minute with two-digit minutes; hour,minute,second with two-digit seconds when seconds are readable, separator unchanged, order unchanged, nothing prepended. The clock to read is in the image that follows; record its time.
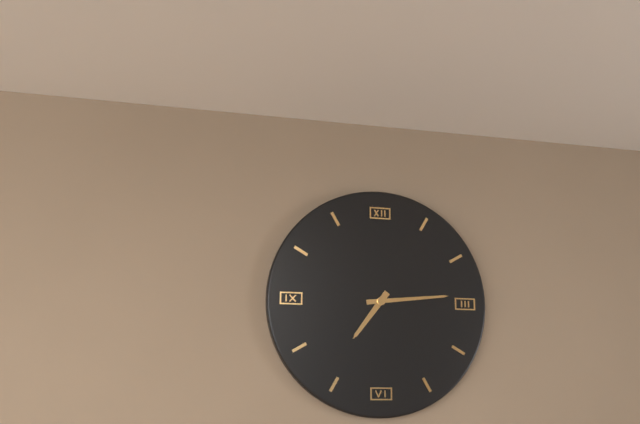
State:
7,14
